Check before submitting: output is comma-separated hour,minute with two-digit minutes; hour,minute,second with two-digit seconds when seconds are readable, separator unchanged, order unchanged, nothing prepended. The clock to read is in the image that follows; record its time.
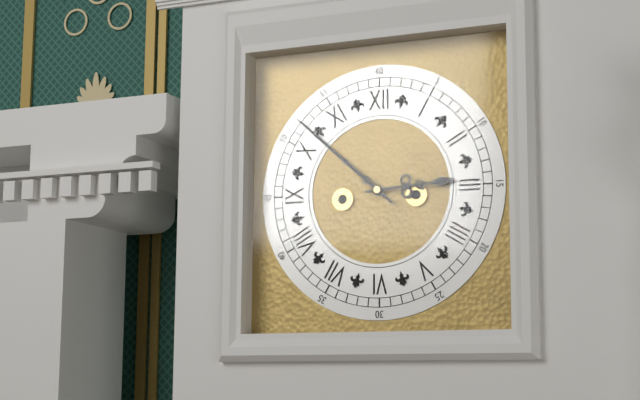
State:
2,52
